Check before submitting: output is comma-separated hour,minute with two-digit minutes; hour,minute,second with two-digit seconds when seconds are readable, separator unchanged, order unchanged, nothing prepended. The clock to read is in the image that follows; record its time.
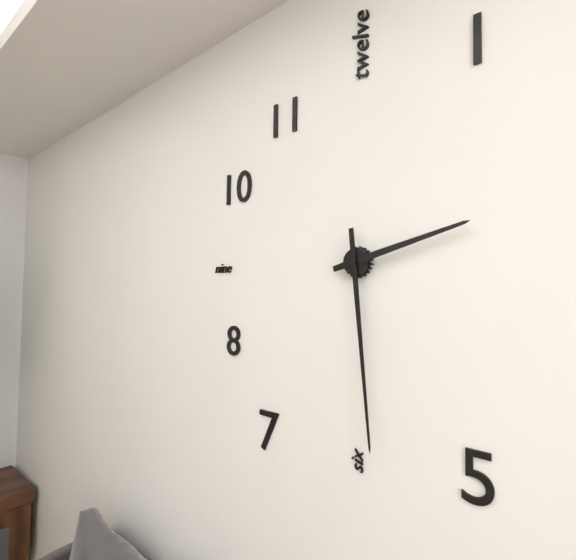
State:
2,29
